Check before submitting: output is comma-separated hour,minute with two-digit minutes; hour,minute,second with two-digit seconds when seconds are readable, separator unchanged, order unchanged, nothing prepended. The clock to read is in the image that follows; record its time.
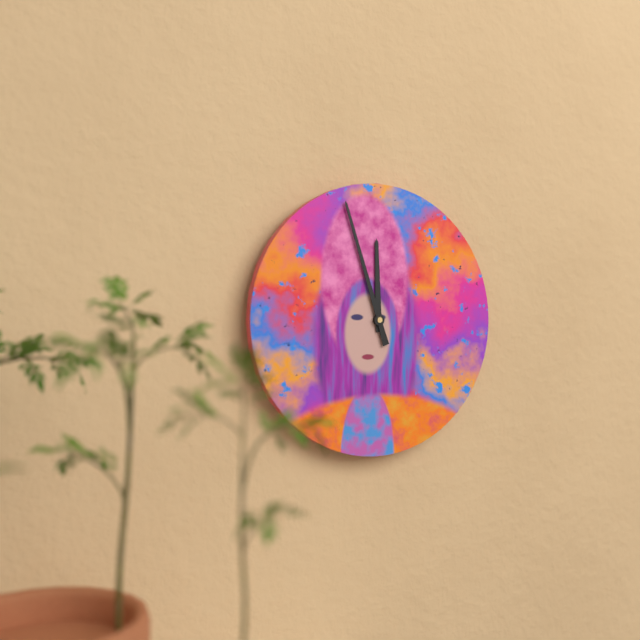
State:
11,57
